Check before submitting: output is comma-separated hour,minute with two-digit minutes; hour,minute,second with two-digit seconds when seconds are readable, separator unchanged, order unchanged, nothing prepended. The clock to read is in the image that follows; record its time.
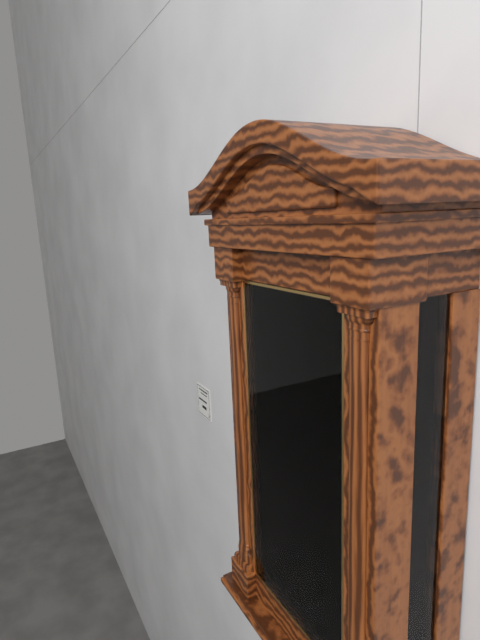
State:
4,13
